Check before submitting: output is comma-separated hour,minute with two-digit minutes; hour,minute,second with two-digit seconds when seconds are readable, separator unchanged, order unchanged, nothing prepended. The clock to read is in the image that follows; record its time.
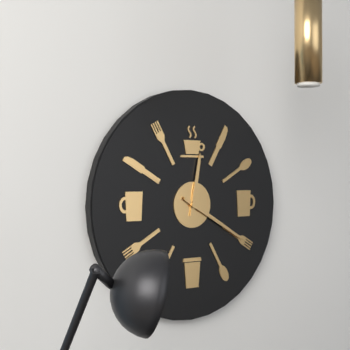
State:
12,20
